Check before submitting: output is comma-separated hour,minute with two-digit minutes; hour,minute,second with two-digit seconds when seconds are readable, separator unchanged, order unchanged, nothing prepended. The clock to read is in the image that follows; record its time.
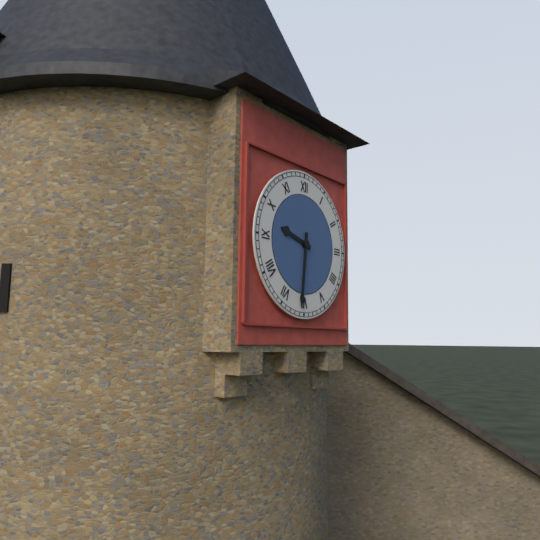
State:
9,31
